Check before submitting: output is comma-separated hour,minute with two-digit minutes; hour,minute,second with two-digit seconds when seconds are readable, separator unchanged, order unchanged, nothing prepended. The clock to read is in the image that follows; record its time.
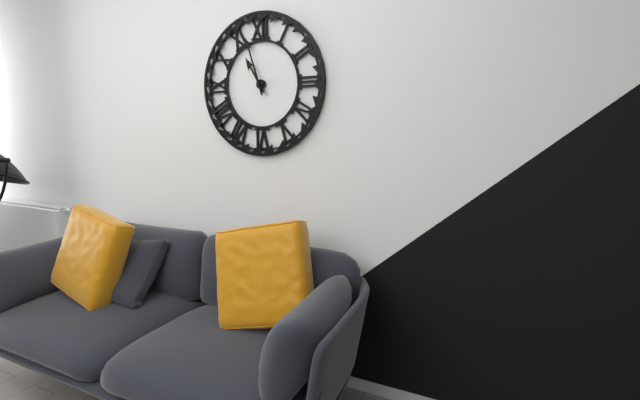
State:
10,57
